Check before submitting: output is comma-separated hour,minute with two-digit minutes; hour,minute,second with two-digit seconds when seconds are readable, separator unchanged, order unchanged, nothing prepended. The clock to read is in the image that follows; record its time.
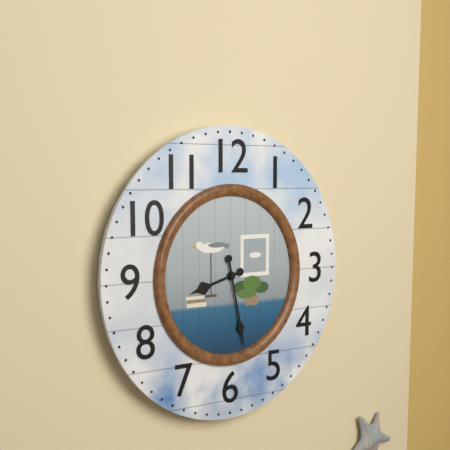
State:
8,28
